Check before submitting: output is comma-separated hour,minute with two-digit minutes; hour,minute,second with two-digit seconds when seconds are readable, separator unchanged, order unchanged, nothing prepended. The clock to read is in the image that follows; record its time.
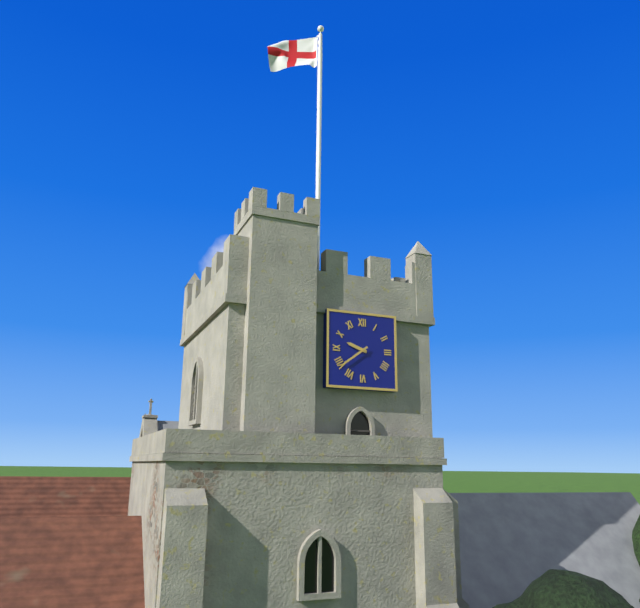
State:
9,39
